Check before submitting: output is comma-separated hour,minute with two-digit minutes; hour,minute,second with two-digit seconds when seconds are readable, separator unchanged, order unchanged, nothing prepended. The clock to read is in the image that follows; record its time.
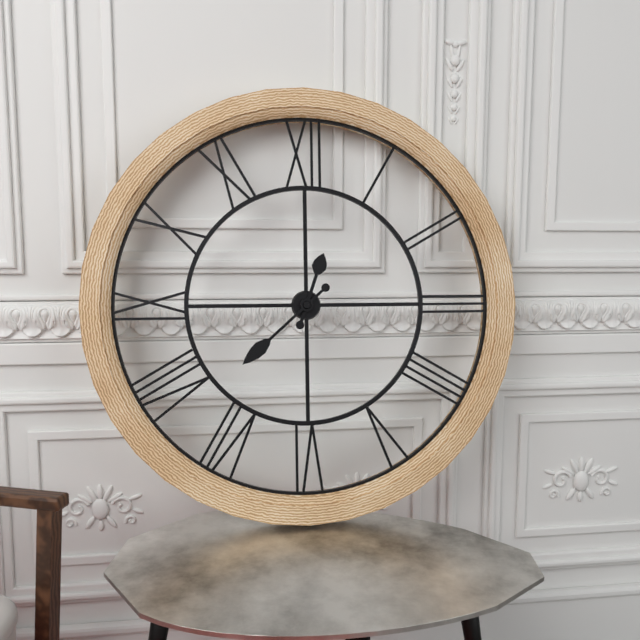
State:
12,38
